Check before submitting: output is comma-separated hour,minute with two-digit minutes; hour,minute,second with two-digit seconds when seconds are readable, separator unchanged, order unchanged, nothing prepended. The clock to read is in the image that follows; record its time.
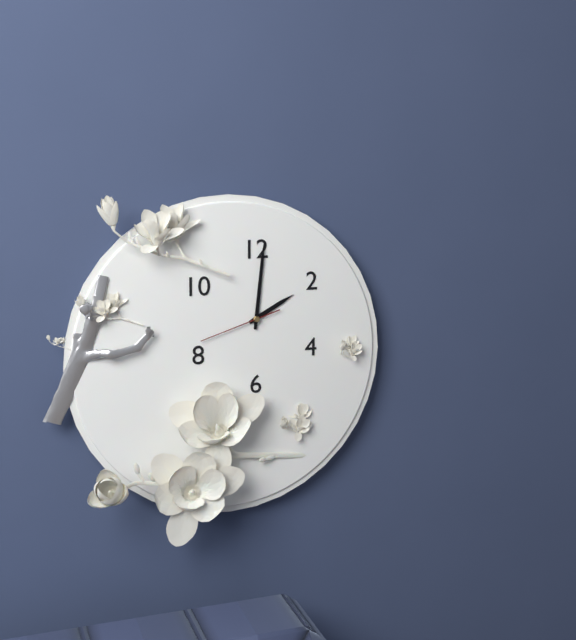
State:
2,01,42
